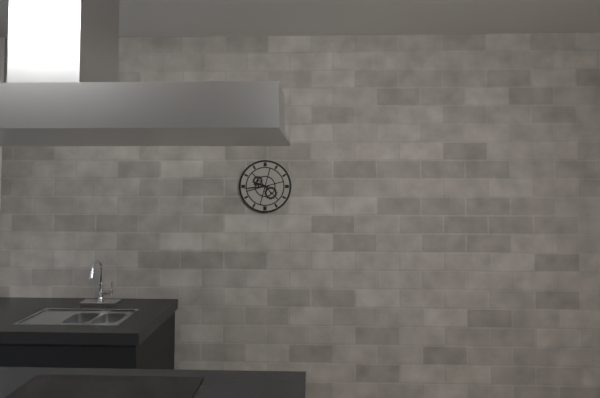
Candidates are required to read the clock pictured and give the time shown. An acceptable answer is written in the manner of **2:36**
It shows **9:44**
